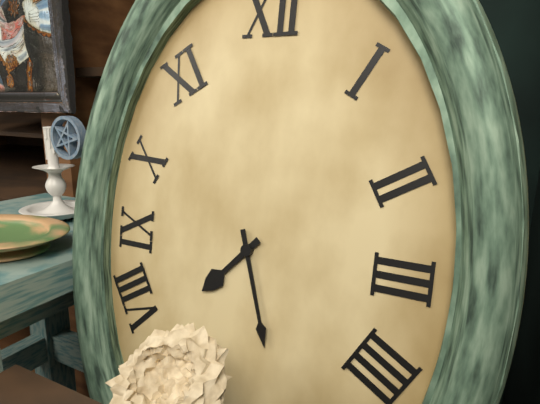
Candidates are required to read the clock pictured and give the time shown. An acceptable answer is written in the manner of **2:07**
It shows **7:27**
